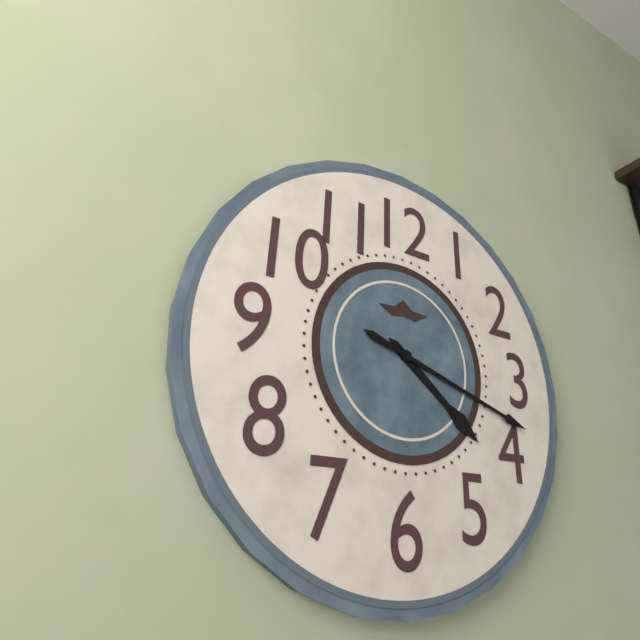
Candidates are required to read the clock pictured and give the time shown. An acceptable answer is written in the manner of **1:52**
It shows **4:18**
